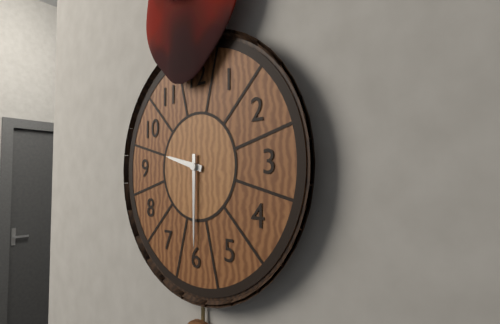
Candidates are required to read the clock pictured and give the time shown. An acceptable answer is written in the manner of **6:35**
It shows **9:30**
